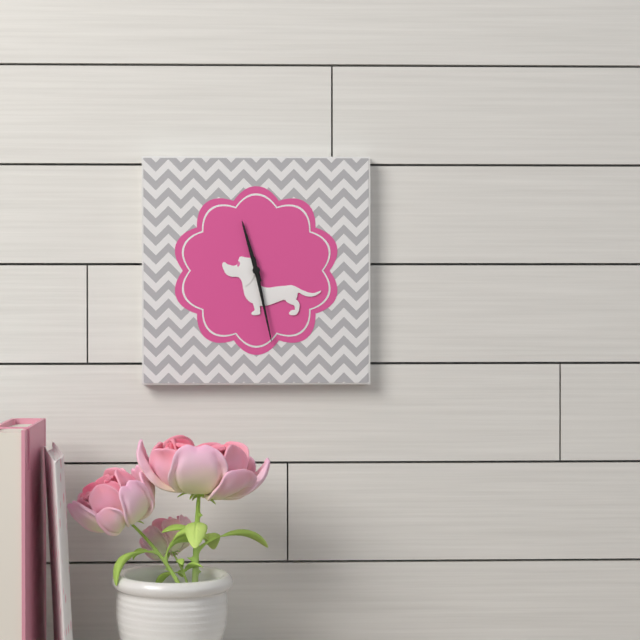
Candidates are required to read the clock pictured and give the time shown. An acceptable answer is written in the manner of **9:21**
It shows **11:28**
